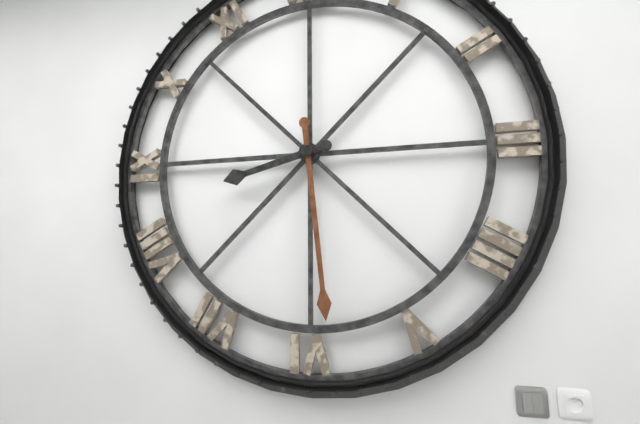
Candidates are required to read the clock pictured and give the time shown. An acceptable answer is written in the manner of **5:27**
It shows **8:29**
